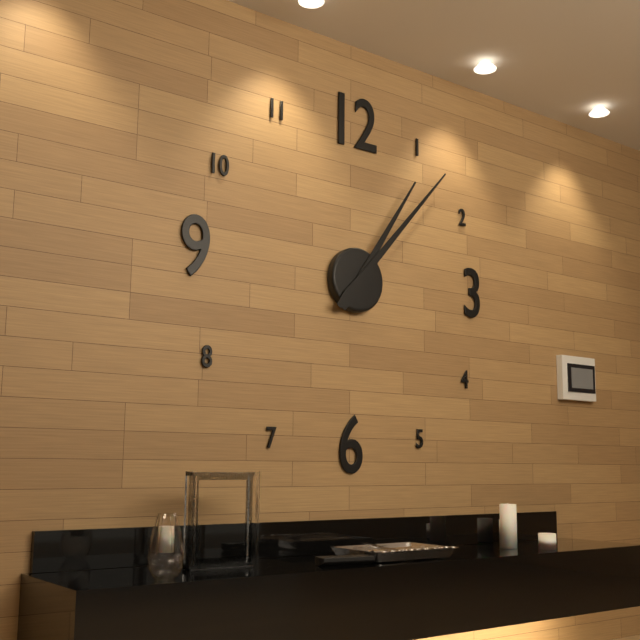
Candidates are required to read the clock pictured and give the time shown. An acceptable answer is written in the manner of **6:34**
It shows **1:07**
